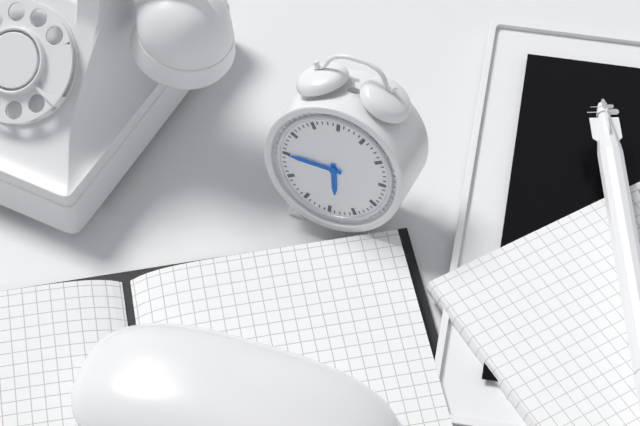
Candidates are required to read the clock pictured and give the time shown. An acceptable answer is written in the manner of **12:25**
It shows **5:45**
